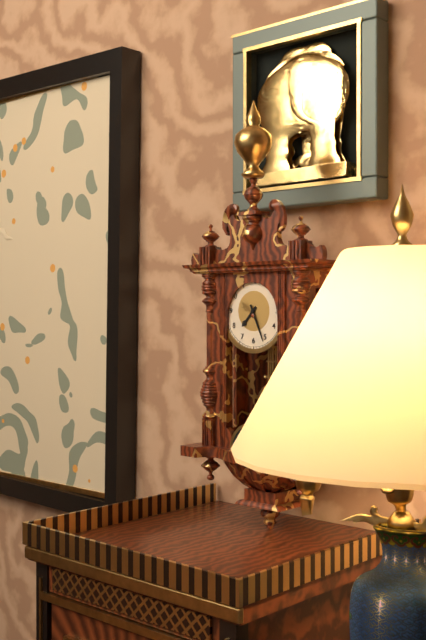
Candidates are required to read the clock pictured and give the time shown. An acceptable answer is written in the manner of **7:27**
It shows **7:26**
